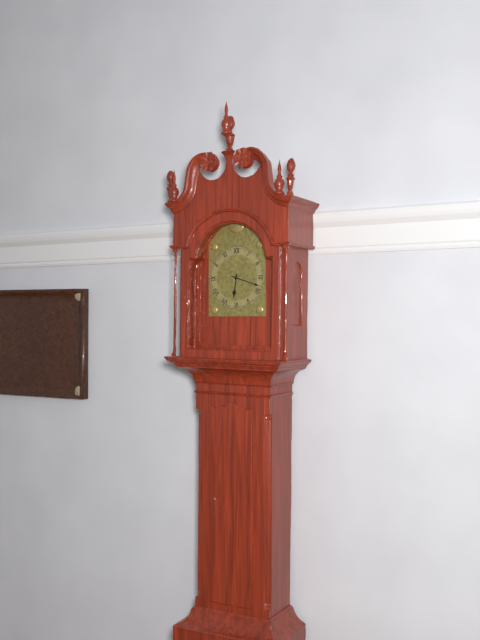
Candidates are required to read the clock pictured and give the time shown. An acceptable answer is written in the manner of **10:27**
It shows **6:18**
